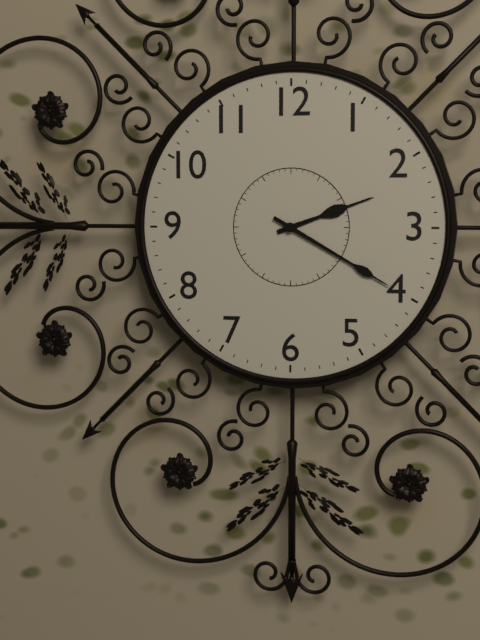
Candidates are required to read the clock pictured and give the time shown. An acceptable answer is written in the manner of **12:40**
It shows **2:20**
